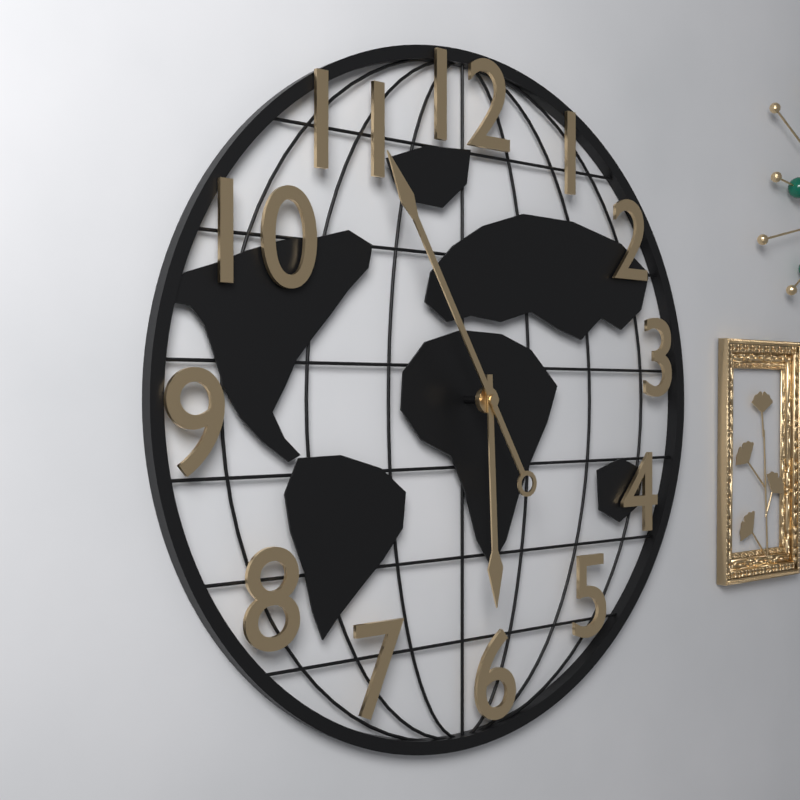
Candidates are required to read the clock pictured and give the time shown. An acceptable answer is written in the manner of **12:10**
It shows **5:55**
